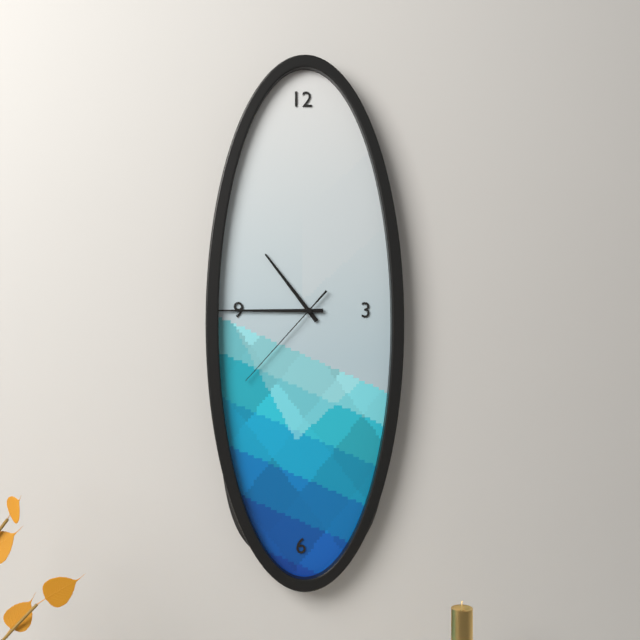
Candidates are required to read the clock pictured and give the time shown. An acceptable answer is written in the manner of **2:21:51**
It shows **10:45:37**
